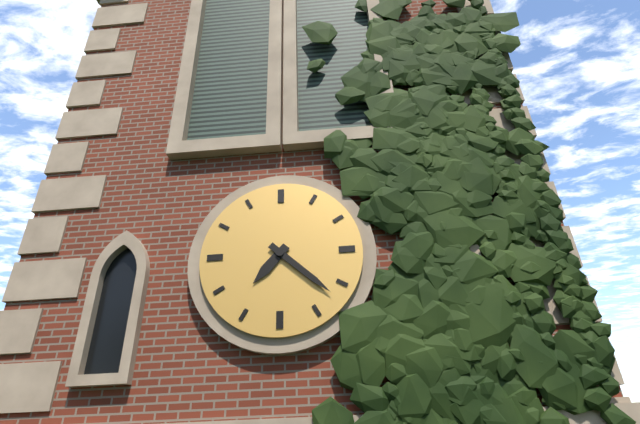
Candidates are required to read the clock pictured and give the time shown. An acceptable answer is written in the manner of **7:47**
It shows **7:22**
